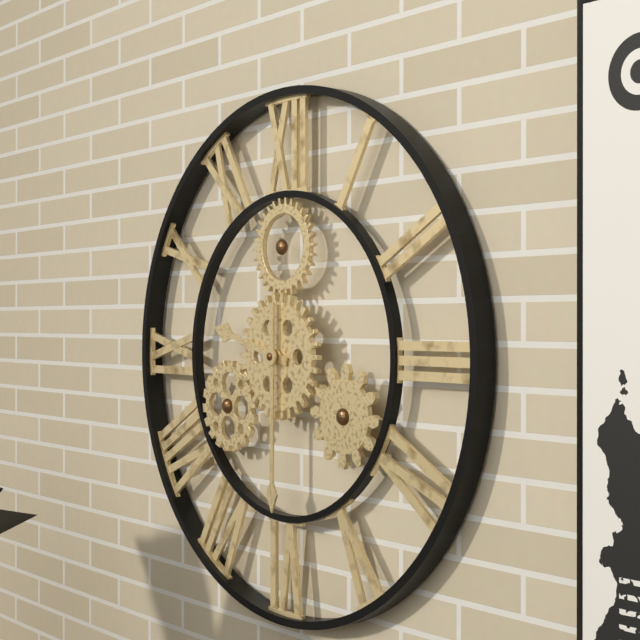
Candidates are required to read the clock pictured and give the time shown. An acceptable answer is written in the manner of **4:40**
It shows **9:30**
